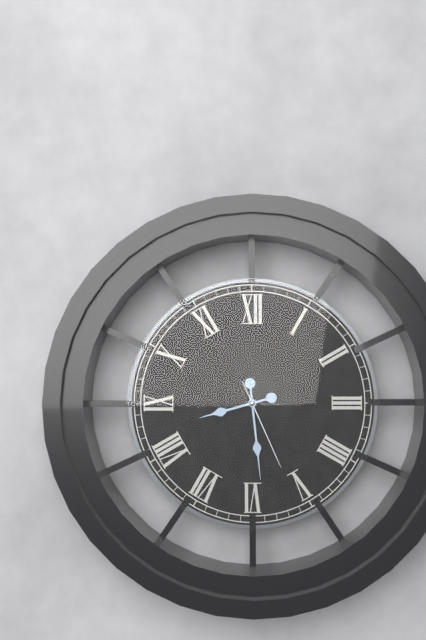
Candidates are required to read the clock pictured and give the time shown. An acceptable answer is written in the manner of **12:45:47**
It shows **8:29:26**
